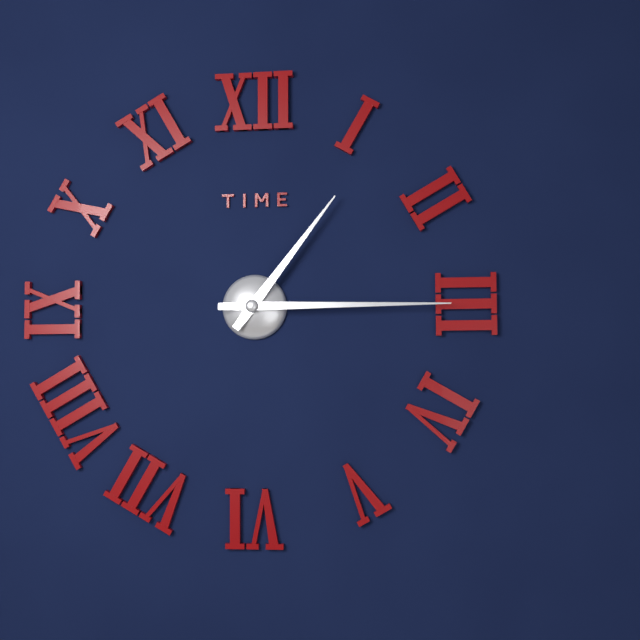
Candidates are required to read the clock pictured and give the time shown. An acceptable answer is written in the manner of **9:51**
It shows **1:15**
